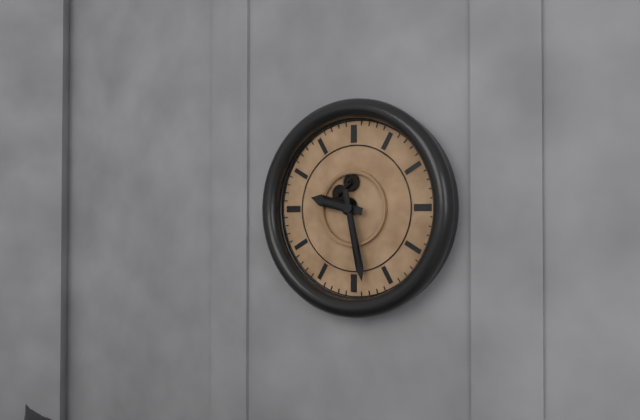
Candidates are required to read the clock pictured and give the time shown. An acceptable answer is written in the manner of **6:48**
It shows **9:28**
